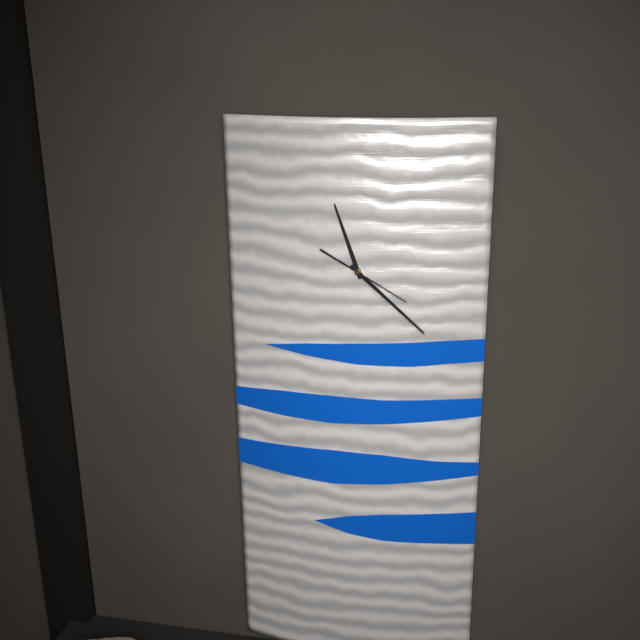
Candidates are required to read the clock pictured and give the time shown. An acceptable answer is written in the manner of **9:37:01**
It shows **11:22:20**
